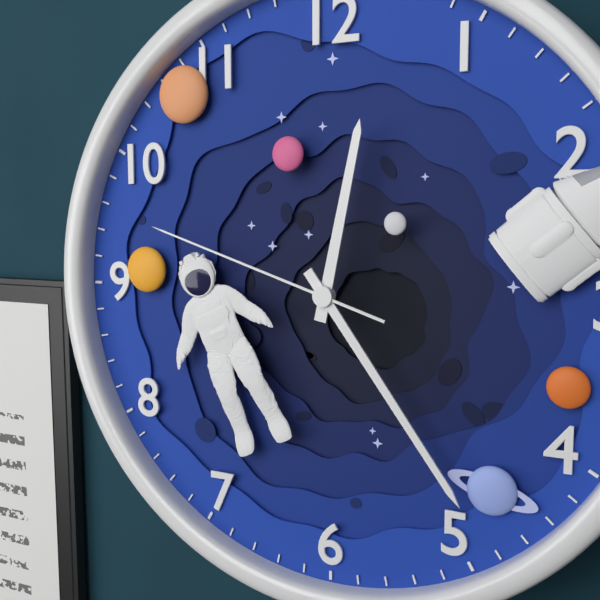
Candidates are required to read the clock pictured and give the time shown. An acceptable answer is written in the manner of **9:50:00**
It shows **12:24:48**
